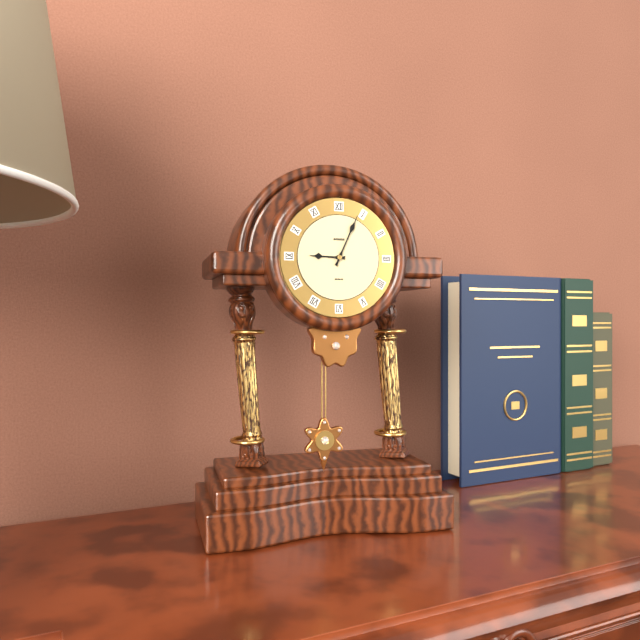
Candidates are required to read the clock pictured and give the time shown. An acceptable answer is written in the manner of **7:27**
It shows **9:04**
